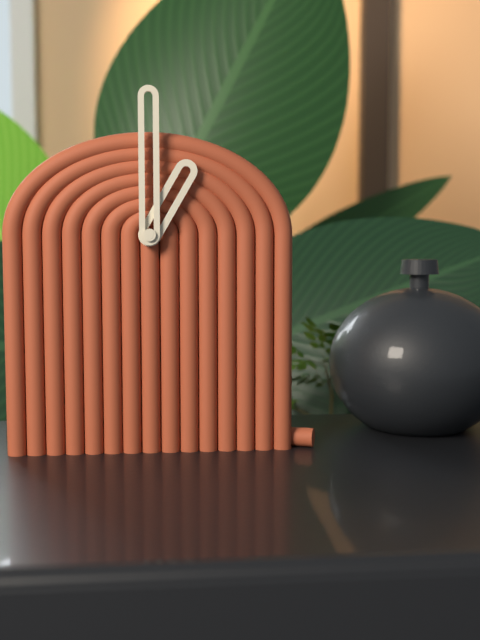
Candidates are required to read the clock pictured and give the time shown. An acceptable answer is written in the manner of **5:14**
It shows **1:00**
